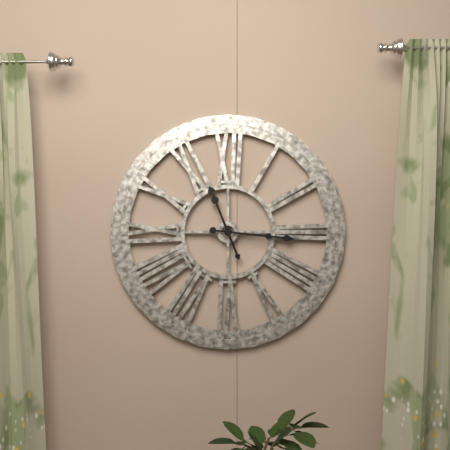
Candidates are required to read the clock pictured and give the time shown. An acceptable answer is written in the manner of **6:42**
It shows **11:16**
